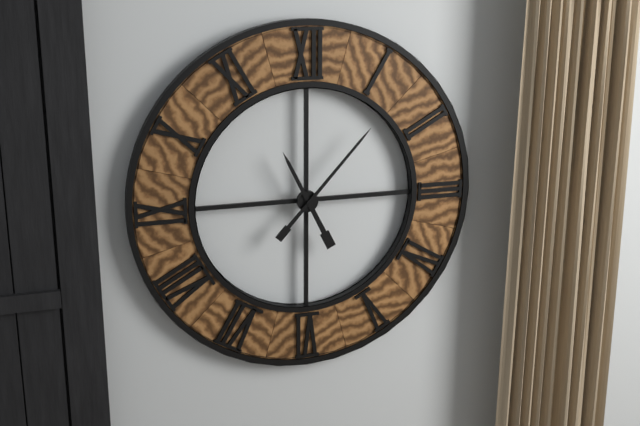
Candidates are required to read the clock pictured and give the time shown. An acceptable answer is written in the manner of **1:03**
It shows **11:07**
